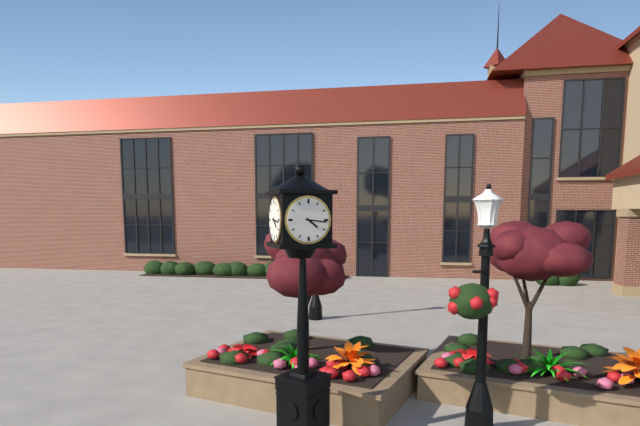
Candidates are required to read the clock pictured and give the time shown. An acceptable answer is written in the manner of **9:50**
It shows **4:16**
